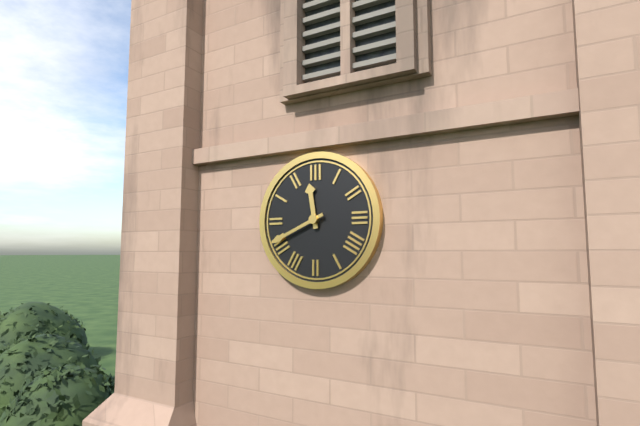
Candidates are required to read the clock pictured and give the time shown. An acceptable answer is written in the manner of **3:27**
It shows **11:41**
